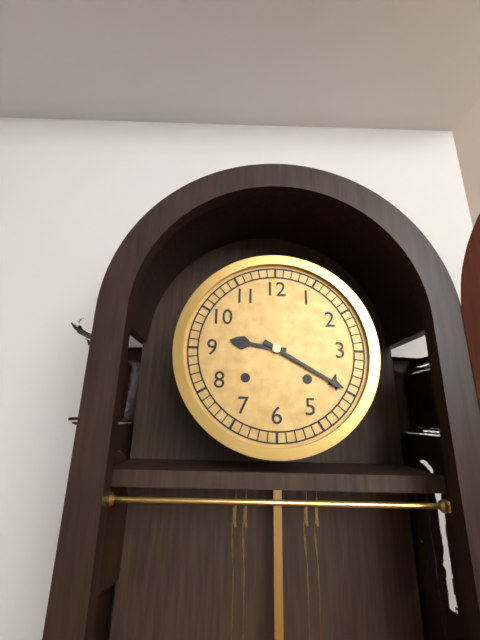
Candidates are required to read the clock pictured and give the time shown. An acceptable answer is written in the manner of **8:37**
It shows **9:20**
